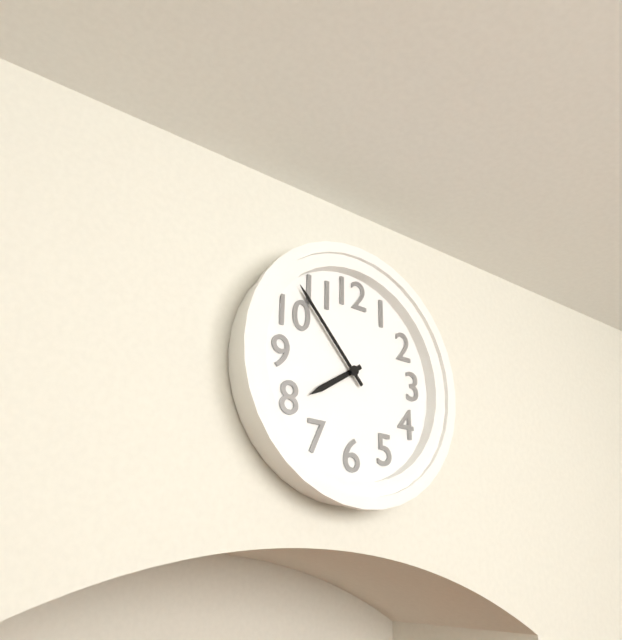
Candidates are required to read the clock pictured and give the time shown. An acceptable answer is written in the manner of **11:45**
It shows **7:53**
